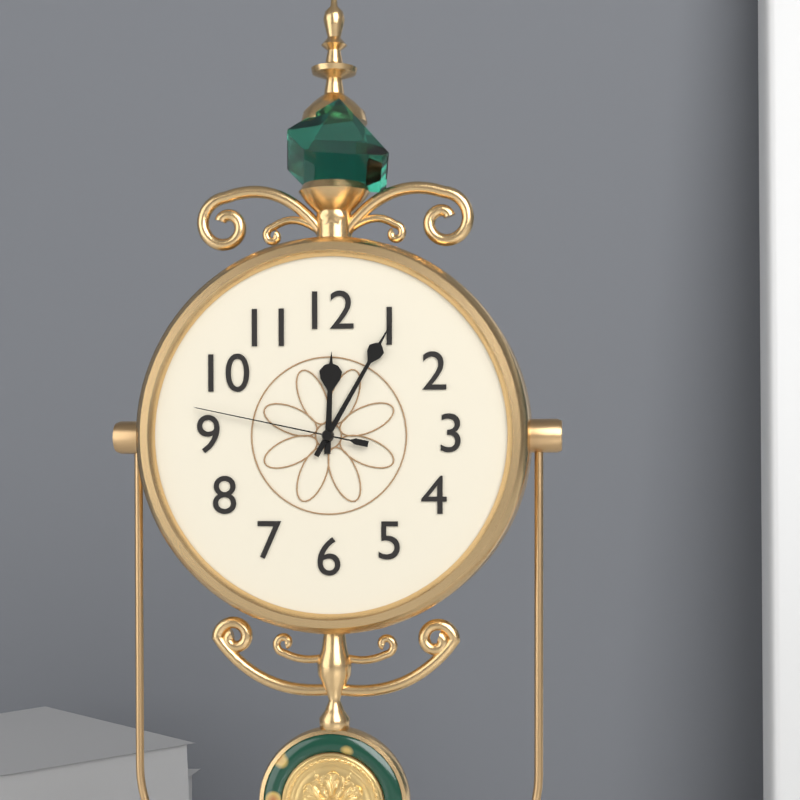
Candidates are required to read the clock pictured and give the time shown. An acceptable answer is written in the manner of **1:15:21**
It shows **12:05:47**
